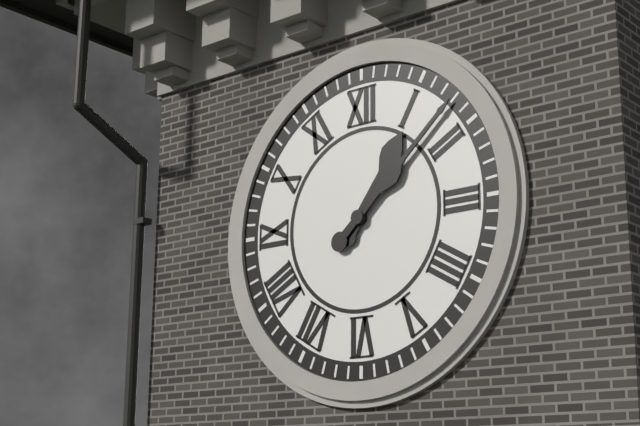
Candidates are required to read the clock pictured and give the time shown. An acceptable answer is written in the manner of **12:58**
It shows **1:08**
